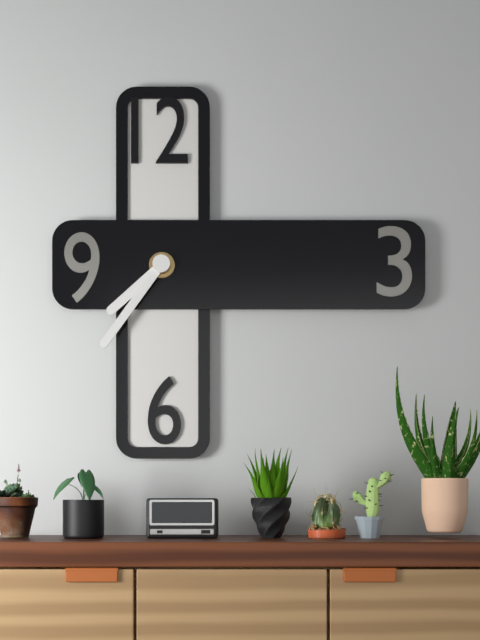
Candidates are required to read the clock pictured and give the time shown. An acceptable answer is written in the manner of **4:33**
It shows **7:36**
